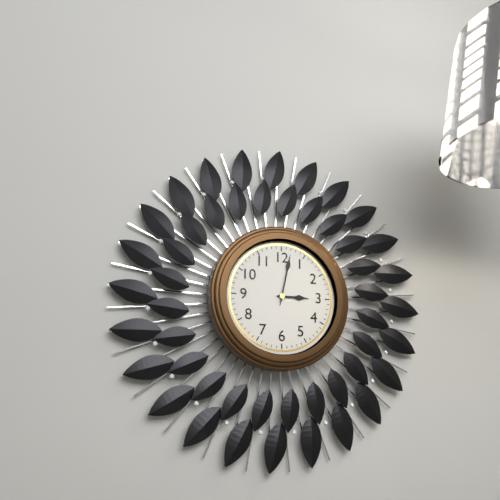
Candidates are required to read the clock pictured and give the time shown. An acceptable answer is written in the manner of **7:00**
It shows **3:02**
